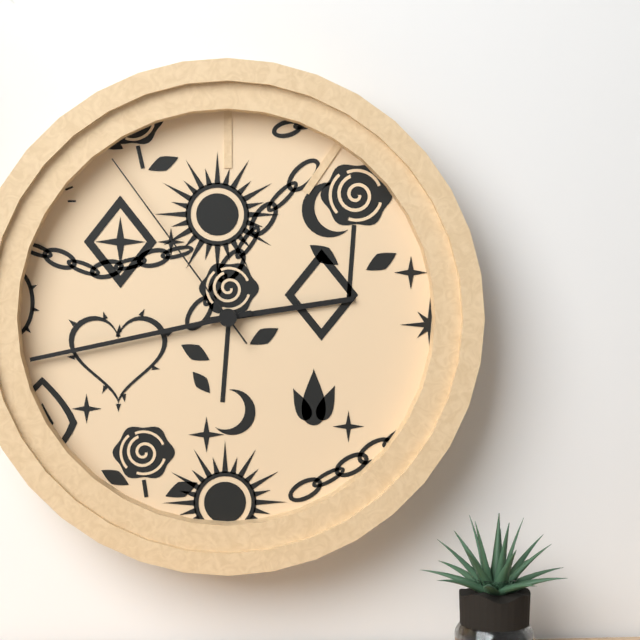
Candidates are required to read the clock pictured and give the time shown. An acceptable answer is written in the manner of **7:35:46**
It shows **2:43:54**
